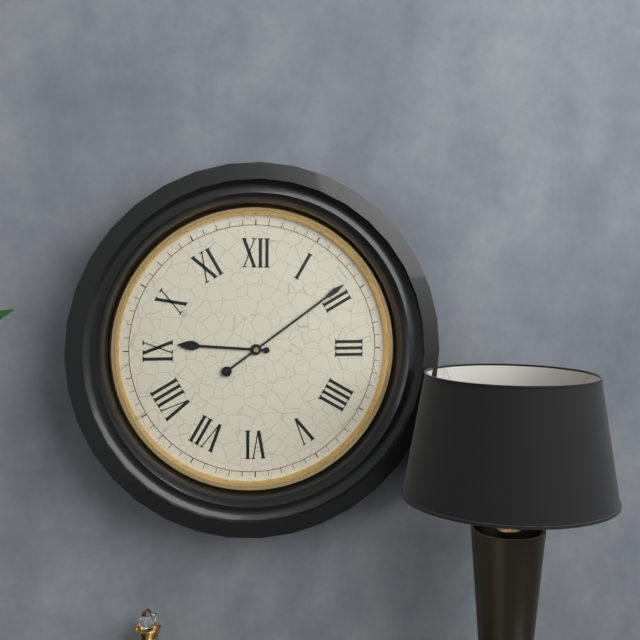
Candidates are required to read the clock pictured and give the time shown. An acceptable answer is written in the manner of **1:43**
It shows **9:09**
